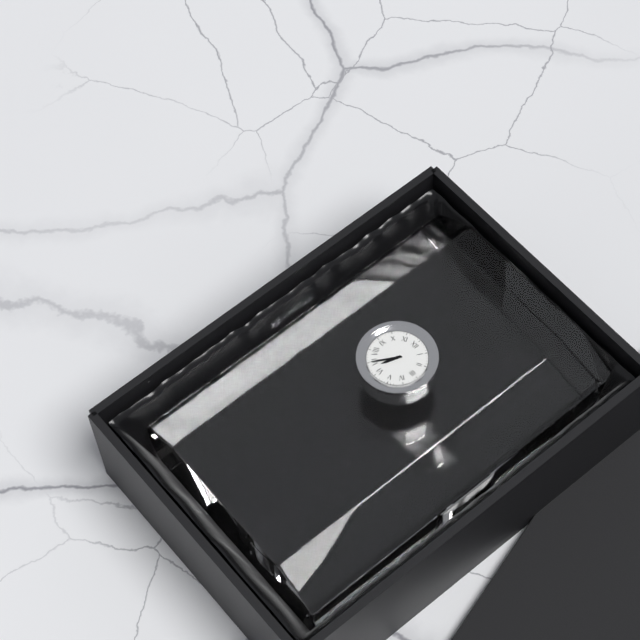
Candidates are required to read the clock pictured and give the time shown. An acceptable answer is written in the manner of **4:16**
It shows **6:35**
